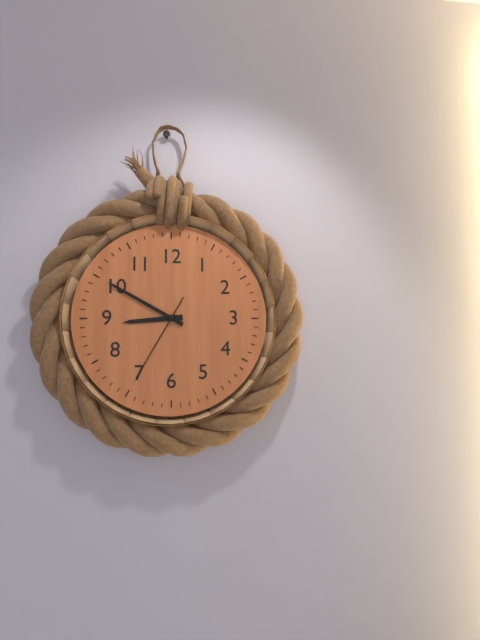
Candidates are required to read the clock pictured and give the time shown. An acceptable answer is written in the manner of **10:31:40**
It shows **8:50:35**
